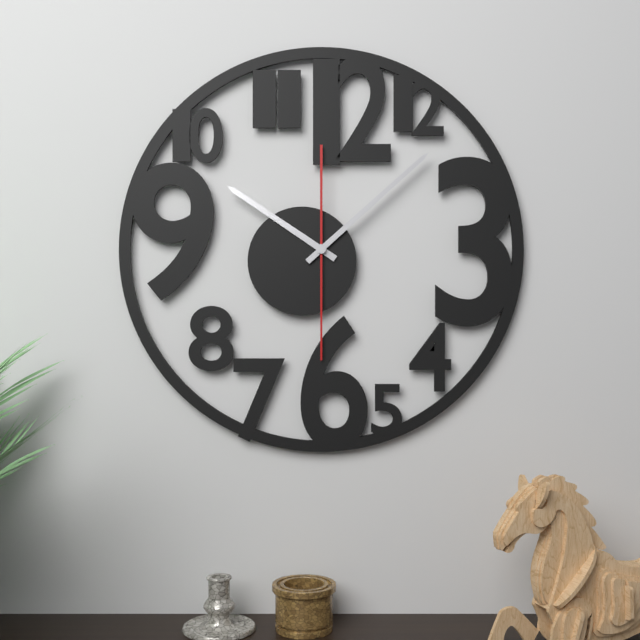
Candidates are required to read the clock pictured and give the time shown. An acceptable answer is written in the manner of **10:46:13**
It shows **10:08:30**
